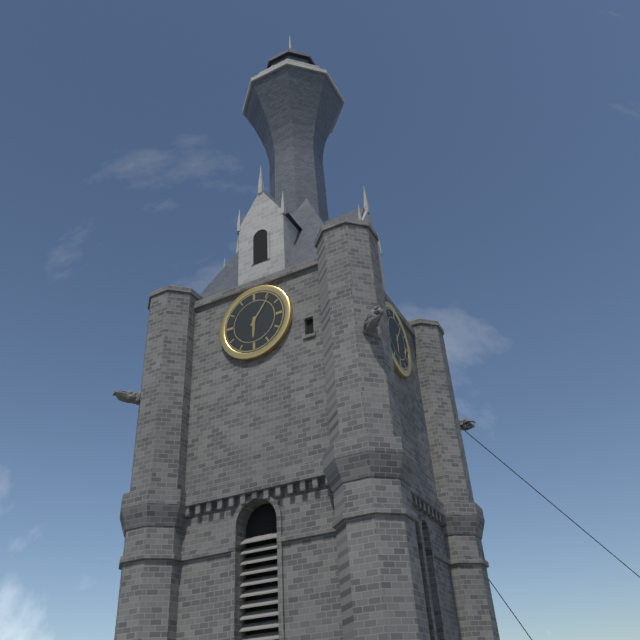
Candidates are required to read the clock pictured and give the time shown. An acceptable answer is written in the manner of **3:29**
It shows **6:06**
